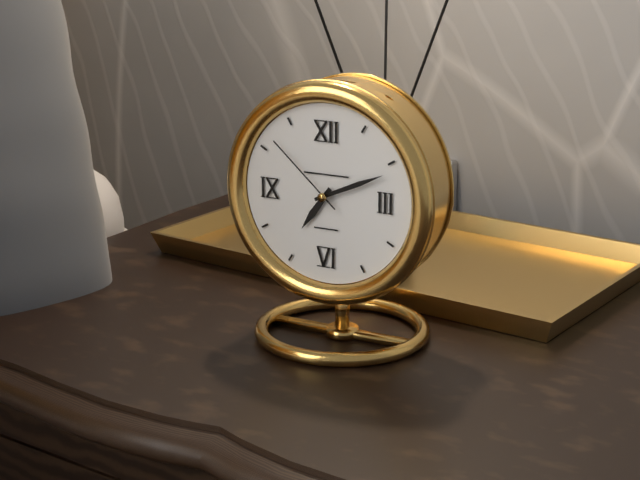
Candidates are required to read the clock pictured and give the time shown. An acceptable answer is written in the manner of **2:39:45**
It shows **7:11:52**
